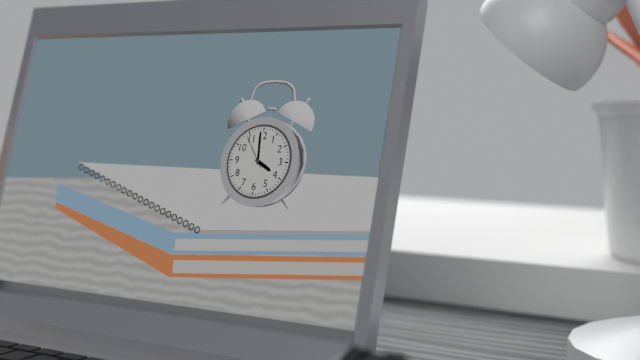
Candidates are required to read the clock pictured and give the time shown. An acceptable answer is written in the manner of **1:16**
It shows **3:59**
